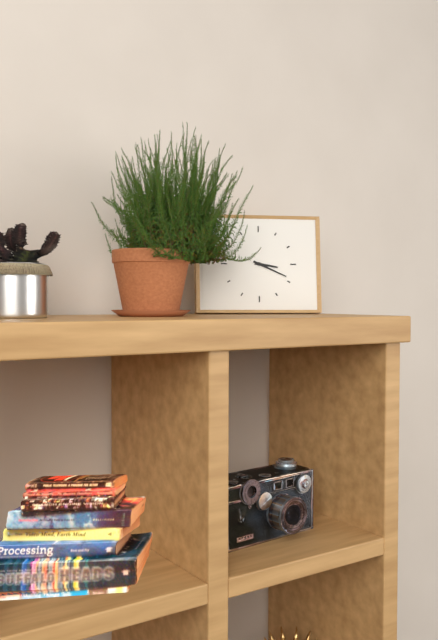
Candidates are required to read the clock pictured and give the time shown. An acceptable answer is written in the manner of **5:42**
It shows **3:19**
